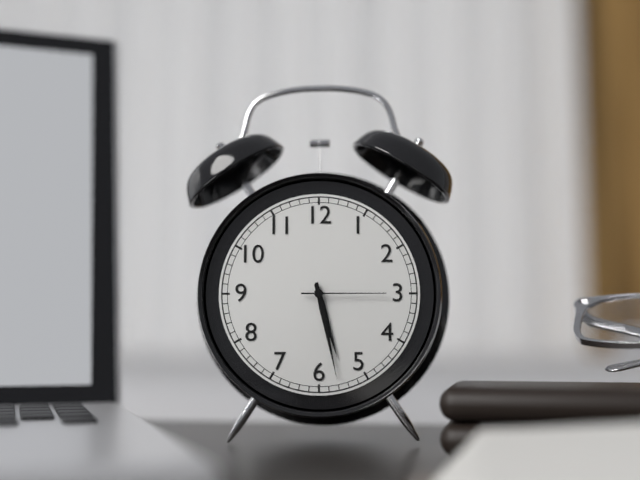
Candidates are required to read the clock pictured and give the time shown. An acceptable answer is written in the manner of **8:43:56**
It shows **5:28:15**
